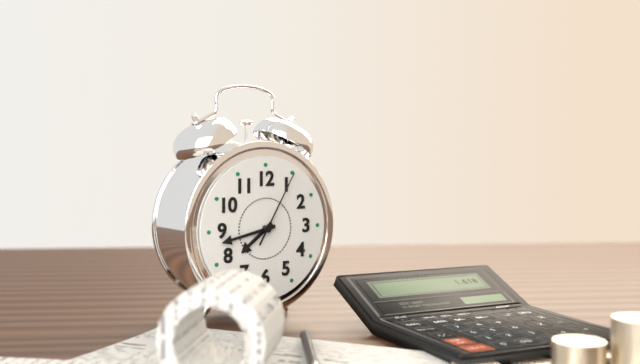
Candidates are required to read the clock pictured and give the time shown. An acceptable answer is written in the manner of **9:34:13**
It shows **7:43:05**
